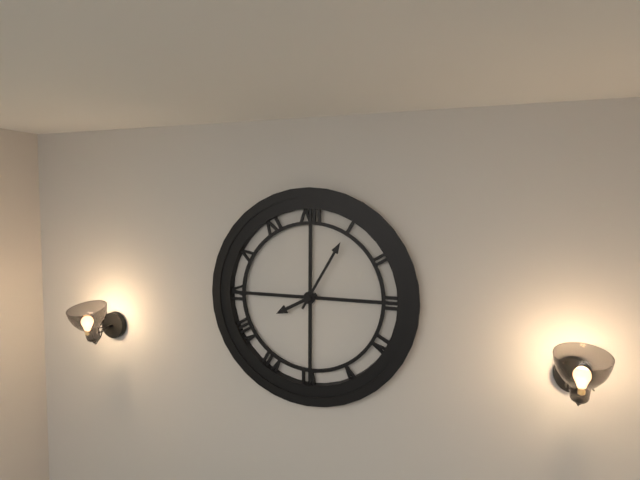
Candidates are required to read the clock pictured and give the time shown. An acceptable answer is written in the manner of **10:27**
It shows **8:05**
